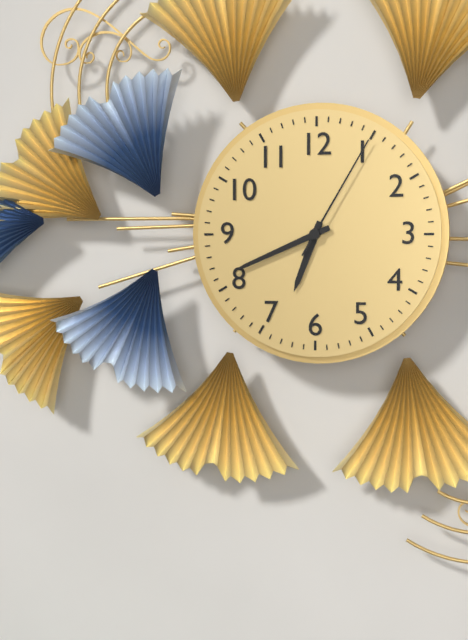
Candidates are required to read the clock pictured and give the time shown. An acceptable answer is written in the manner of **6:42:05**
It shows **6:41:05**
